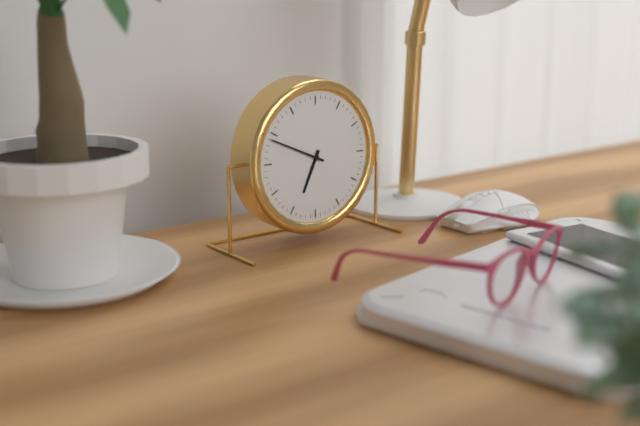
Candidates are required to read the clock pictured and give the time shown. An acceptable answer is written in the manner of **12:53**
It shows **6:49**
